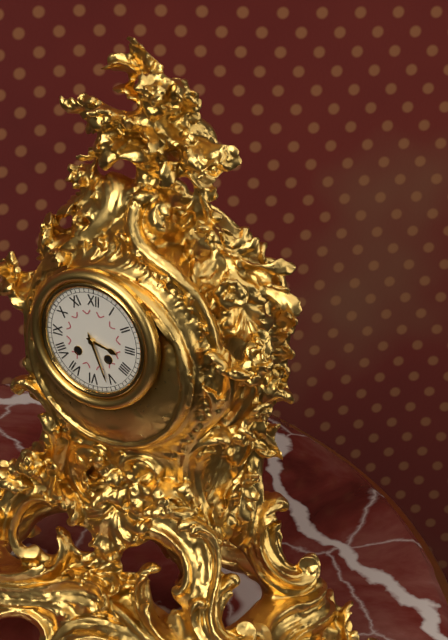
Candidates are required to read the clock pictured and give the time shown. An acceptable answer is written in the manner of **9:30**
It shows **3:26**
